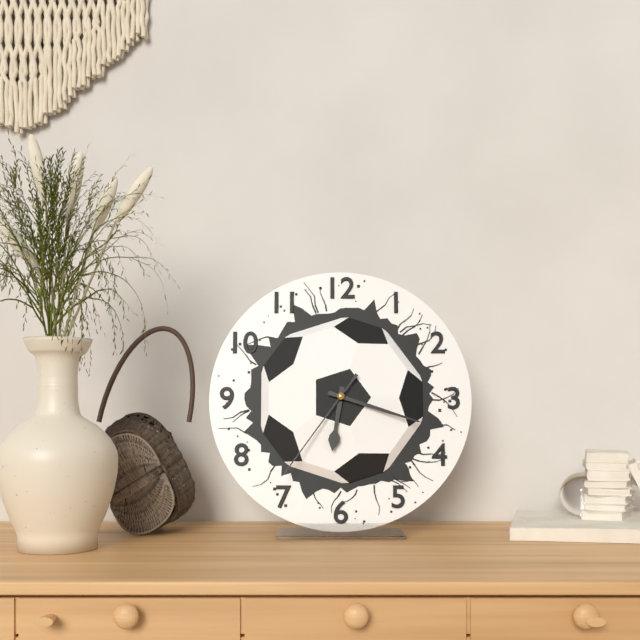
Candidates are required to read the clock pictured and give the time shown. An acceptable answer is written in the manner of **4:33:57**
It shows **6:18:36**
